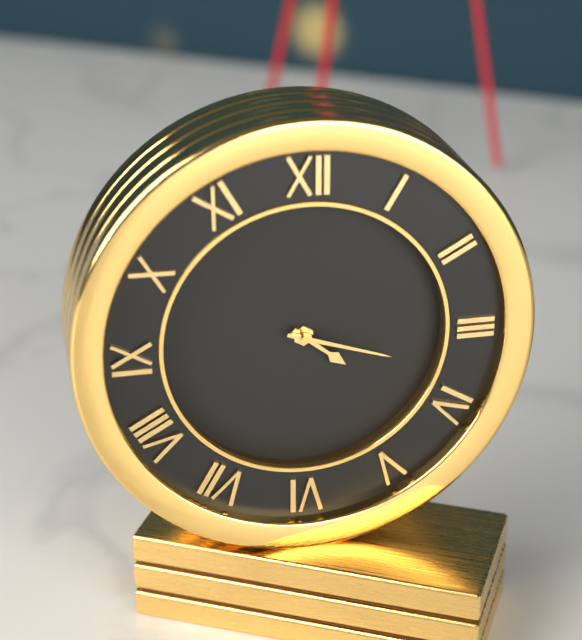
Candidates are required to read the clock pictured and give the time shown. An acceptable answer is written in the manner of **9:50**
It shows **4:18**
